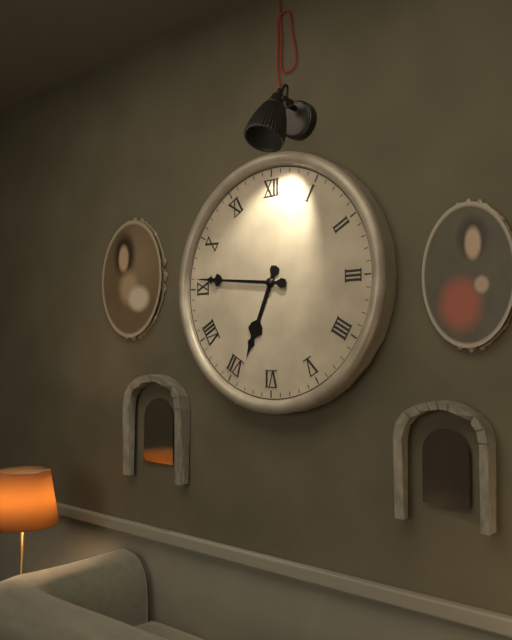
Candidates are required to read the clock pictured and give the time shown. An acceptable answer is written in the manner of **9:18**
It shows **6:46**
